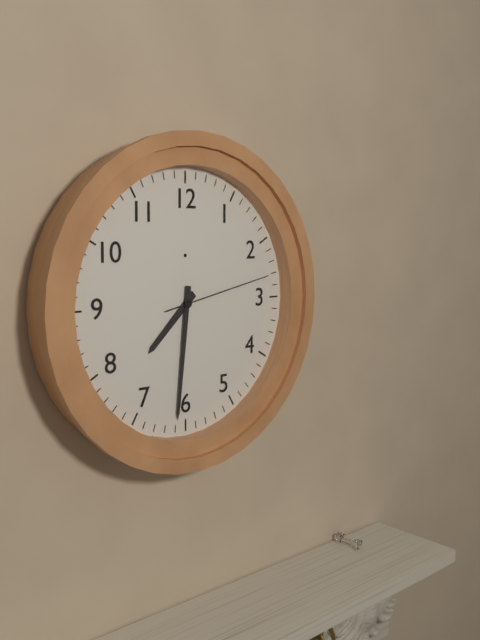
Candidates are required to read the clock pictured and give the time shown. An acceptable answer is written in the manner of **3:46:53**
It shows **7:31:13**
